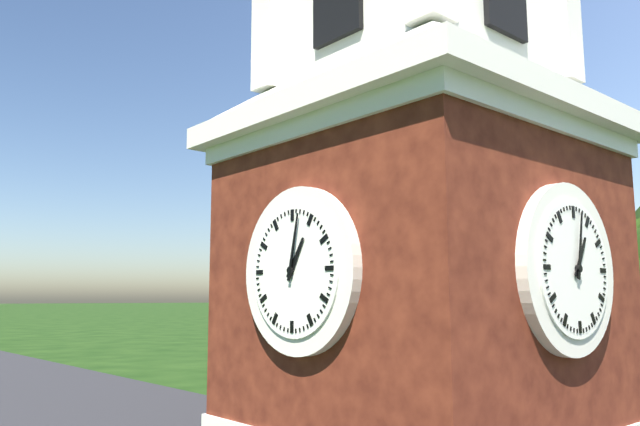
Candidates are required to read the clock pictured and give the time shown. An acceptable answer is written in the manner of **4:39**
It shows **1:02**
